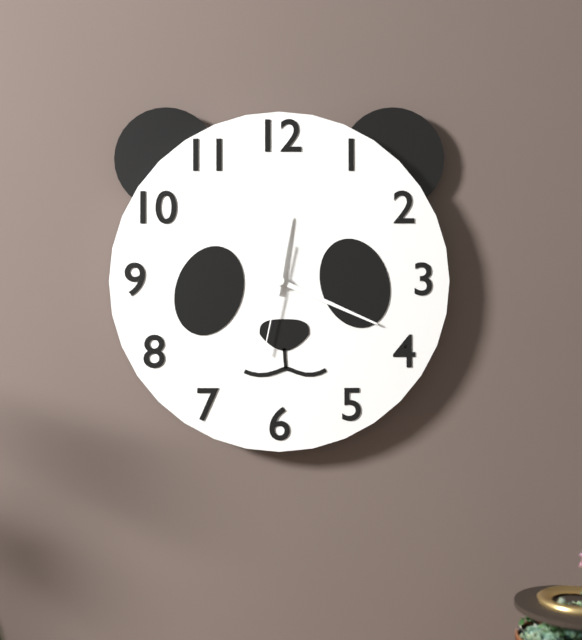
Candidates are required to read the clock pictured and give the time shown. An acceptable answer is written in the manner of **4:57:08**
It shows **12:19:32**
